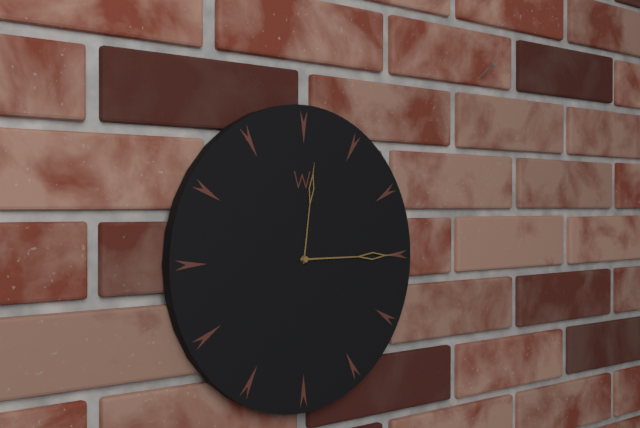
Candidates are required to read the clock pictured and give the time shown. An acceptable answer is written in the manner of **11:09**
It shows **12:15**
